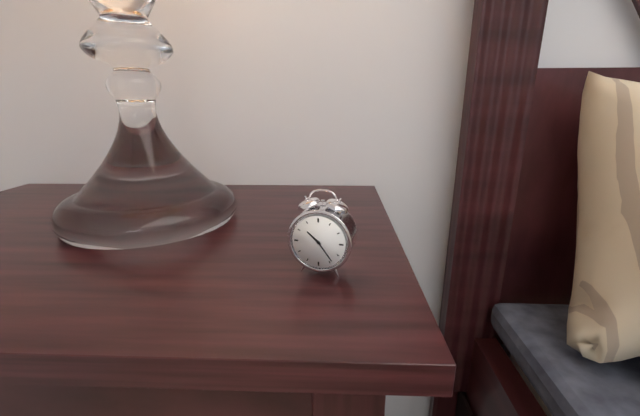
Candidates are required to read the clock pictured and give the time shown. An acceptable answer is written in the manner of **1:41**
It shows **10:24**
